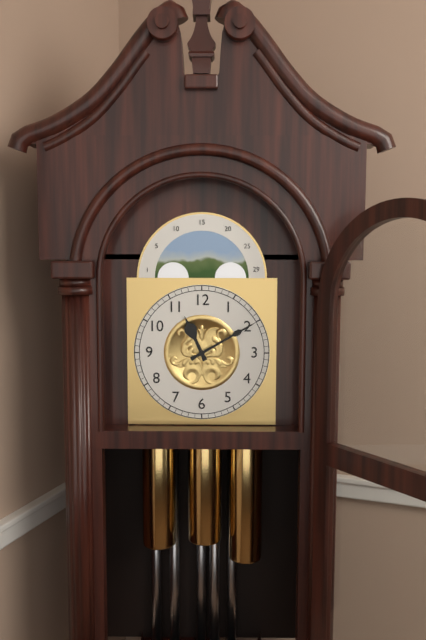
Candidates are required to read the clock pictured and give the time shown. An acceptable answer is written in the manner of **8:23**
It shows **11:10**
